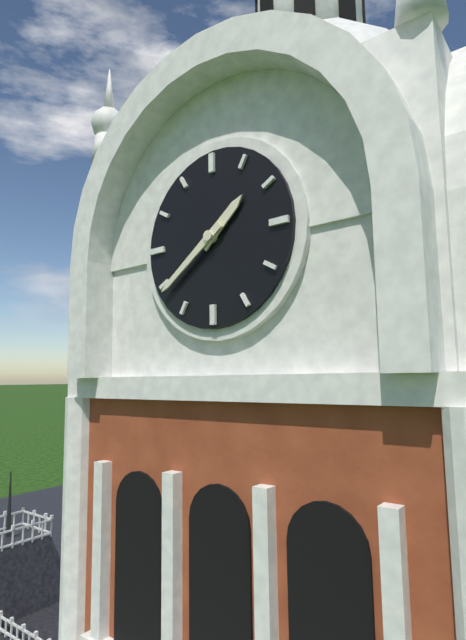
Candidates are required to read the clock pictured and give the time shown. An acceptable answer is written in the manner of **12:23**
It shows **1:39**
